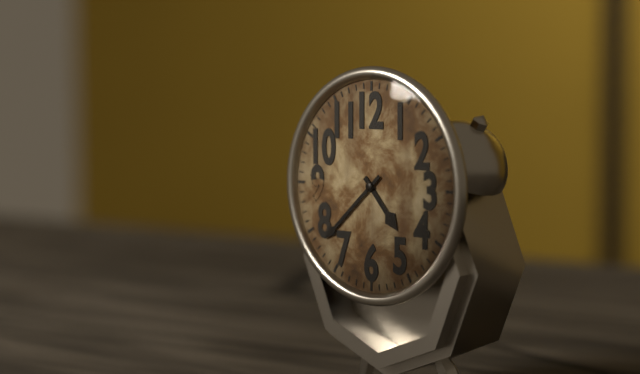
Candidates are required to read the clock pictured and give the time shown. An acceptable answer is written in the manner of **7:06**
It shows **4:38**
